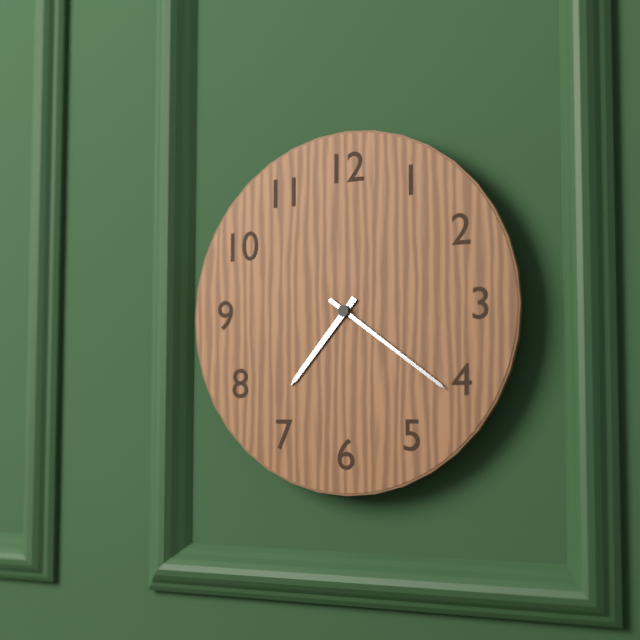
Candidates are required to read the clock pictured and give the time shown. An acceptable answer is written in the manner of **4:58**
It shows **7:21**
